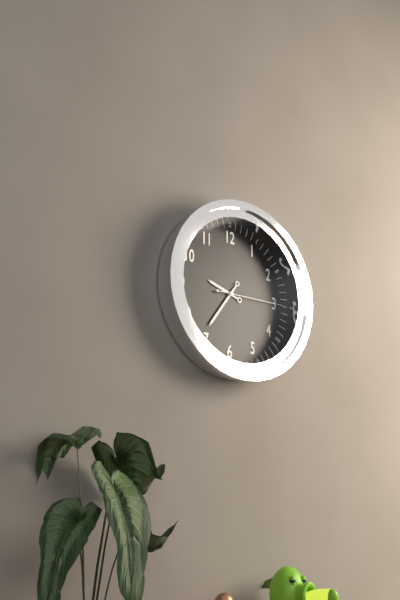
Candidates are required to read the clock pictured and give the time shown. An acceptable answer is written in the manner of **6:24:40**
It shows **9:36:15**
